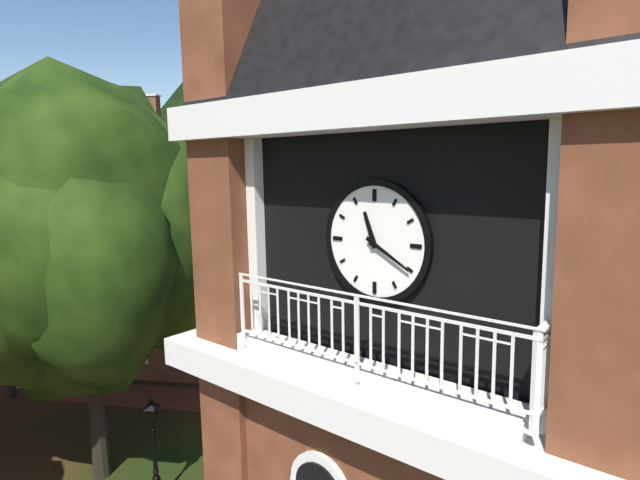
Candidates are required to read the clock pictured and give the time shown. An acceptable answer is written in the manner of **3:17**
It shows **11:20**
